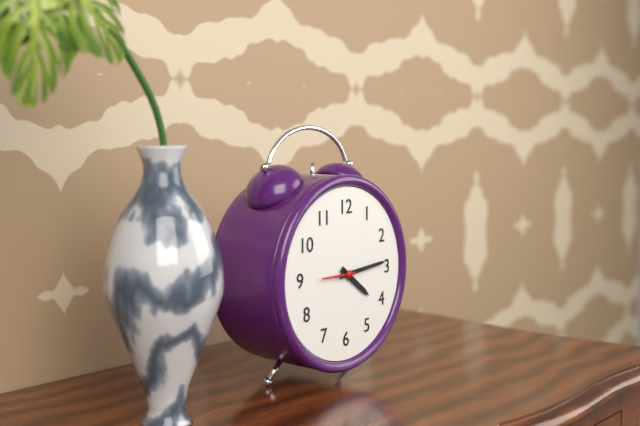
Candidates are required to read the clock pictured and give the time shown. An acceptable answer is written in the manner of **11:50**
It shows **4:14**
